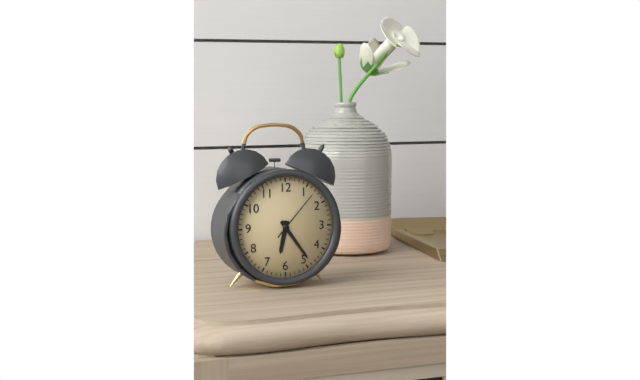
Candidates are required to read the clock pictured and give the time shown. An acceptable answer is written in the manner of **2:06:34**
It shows **6:24:07**
